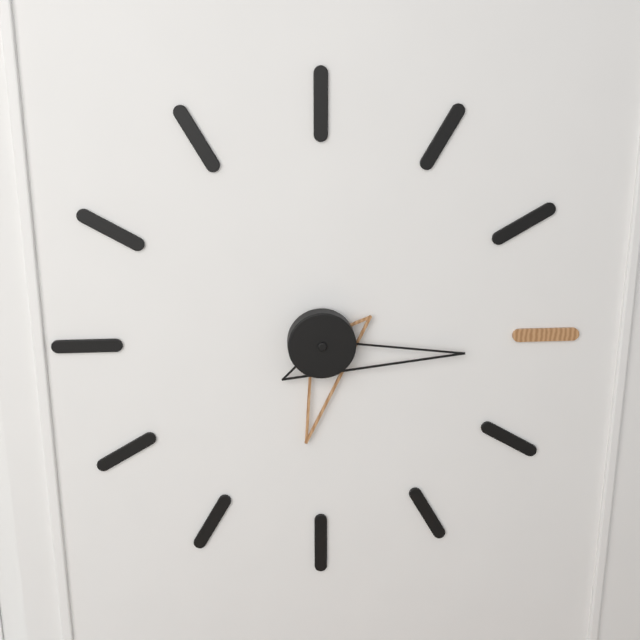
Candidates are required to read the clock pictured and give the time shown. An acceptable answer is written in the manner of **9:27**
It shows **6:16**
